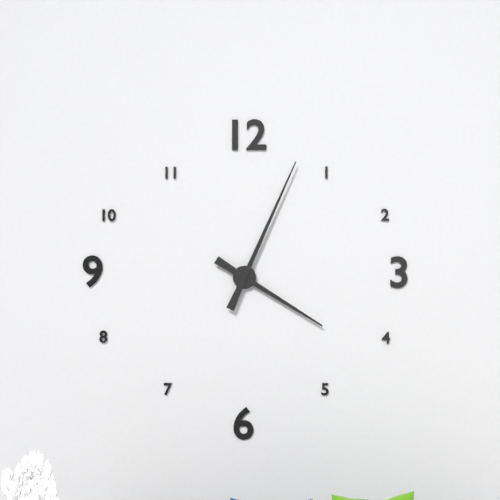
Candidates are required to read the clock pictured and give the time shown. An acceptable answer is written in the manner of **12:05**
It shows **4:04**
